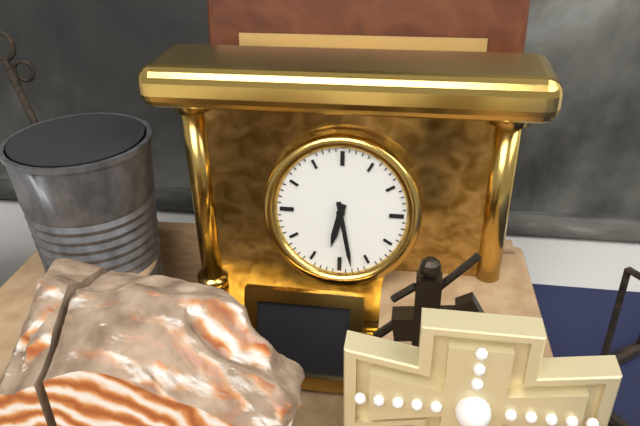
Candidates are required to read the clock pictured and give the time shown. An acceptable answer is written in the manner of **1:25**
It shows **6:28**
